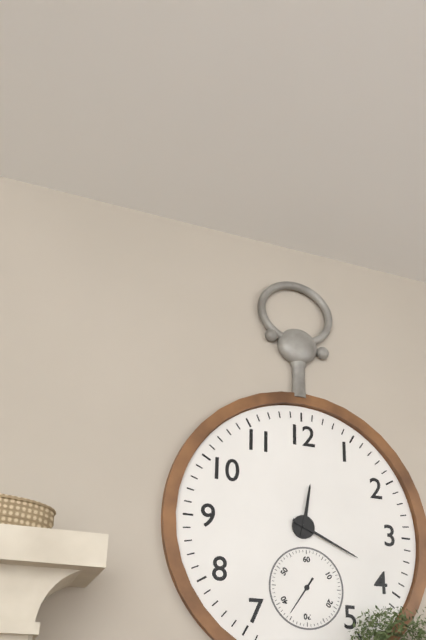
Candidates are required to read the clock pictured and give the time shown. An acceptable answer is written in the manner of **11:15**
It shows **12:19**
